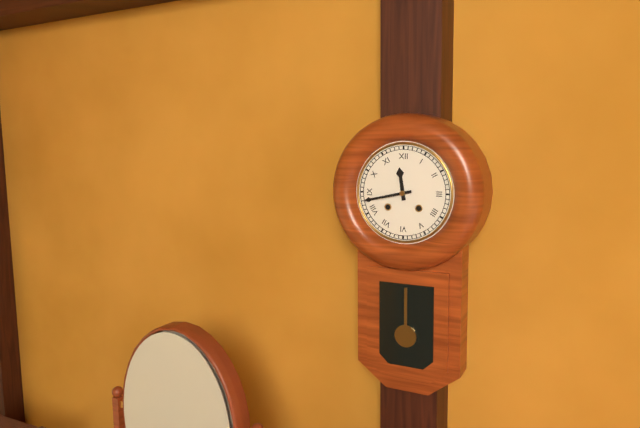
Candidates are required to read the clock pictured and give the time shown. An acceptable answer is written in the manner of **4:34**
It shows **11:43**
